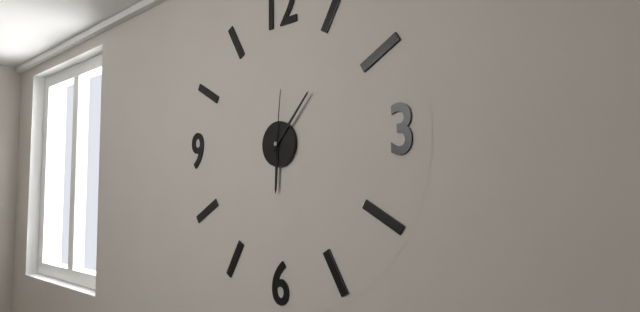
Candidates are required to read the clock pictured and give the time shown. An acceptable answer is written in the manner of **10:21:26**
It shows **6:07:01**
